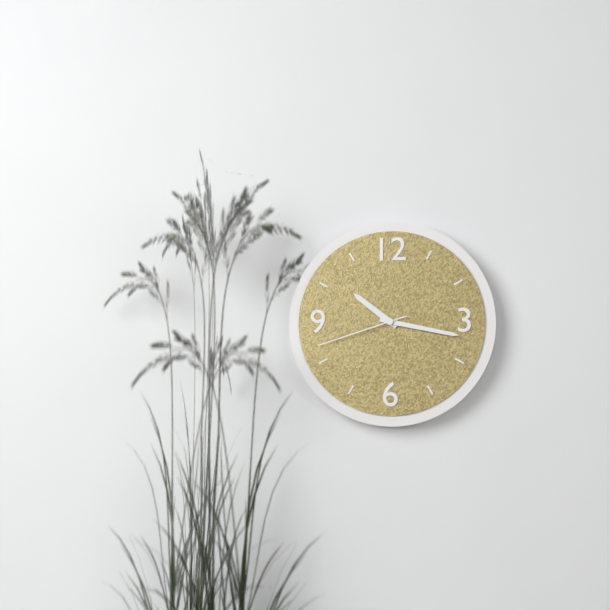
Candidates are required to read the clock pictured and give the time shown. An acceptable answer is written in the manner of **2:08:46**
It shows **10:17:42**
